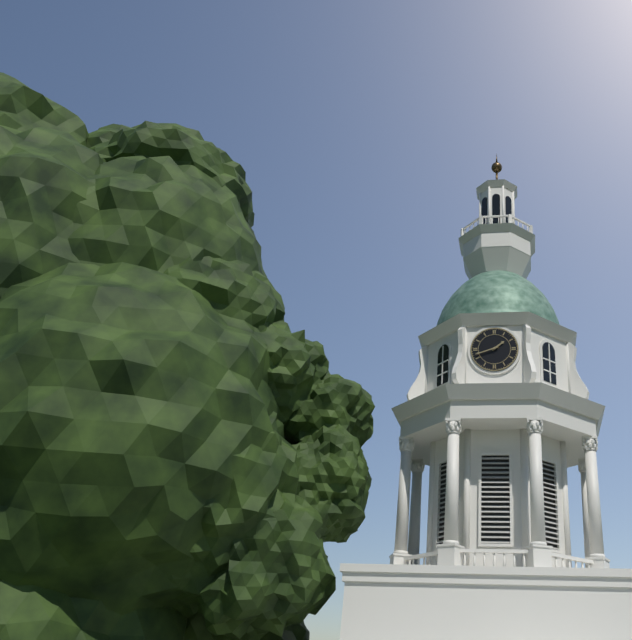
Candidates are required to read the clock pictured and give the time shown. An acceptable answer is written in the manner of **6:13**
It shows **1:42**
